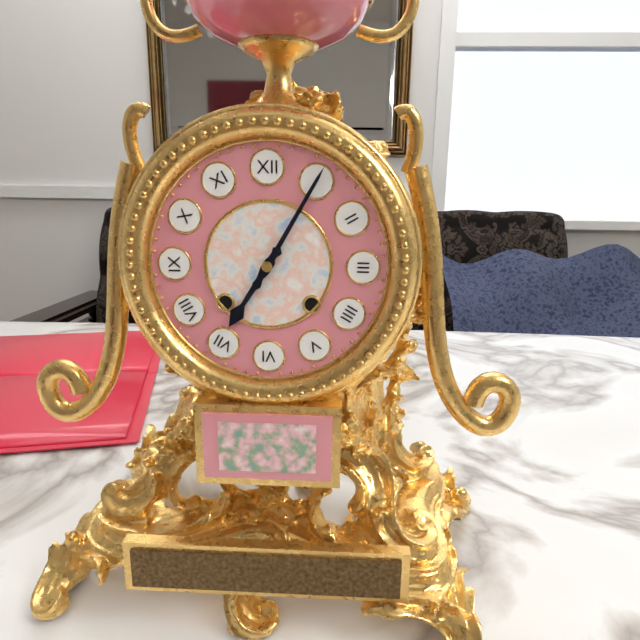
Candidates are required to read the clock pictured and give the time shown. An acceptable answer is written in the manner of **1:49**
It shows **7:05**
